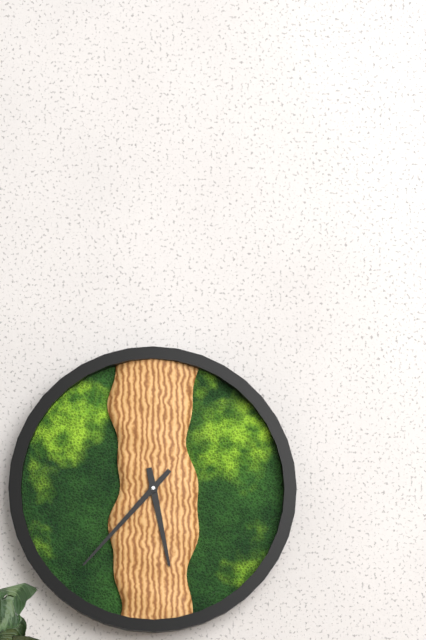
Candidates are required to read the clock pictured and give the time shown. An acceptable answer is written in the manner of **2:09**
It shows **5:37**
